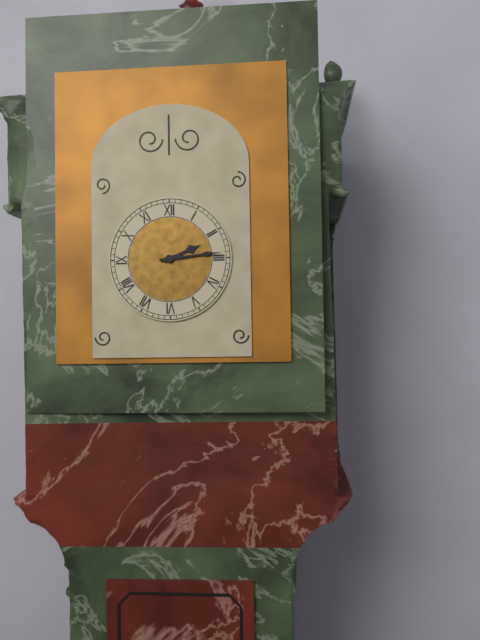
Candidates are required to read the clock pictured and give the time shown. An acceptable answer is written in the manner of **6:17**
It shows **2:14**
